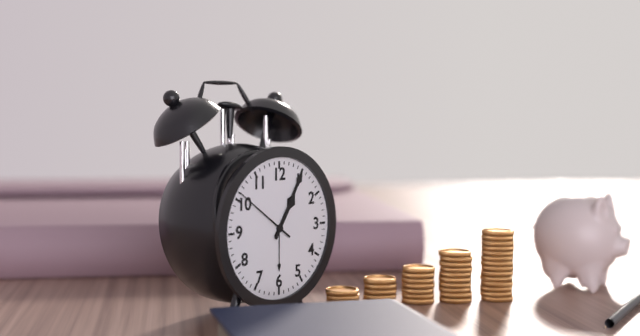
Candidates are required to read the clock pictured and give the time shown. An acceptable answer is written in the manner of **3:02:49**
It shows **1:05:51**
